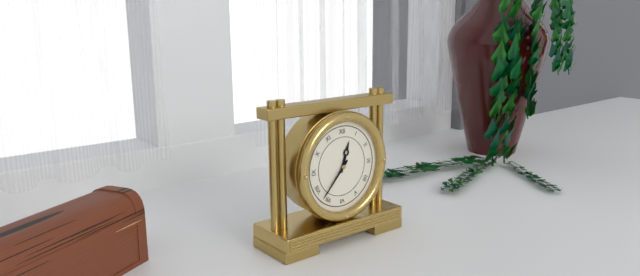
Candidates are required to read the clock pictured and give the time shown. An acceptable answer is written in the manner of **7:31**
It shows **12:37**
